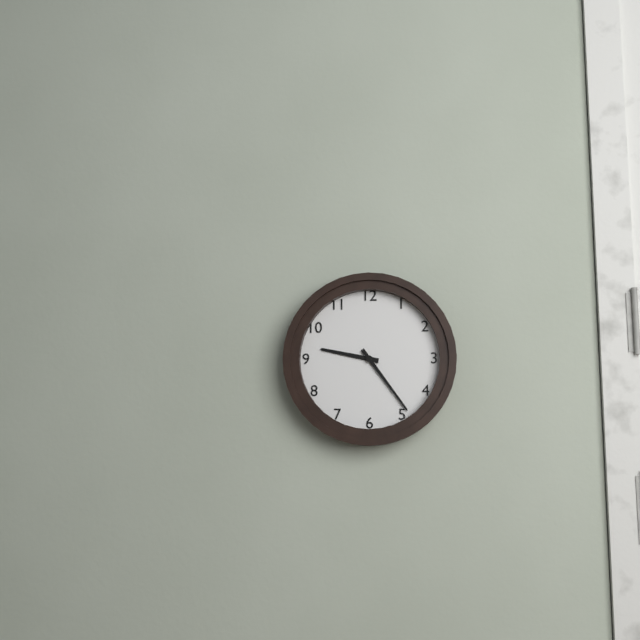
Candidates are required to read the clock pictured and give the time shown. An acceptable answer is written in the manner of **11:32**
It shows **9:24**
